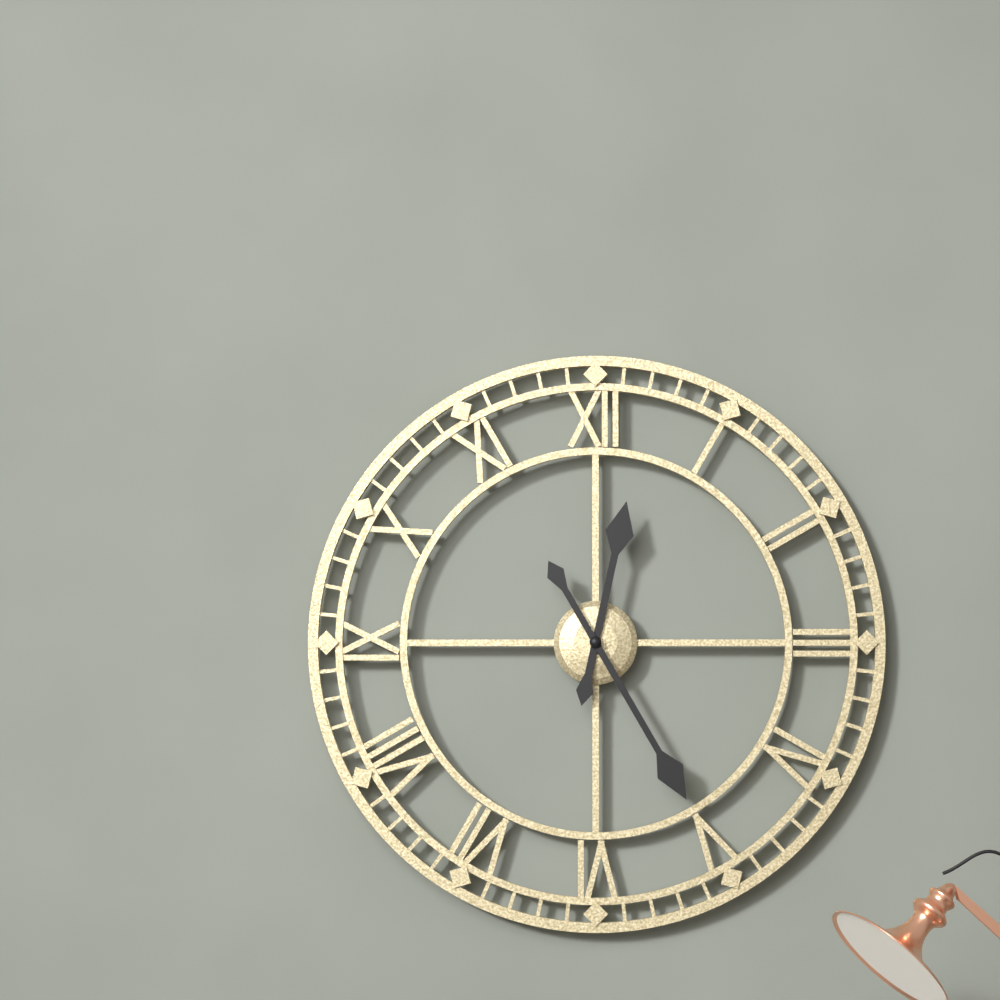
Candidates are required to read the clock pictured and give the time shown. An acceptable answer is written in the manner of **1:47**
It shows **12:25**
